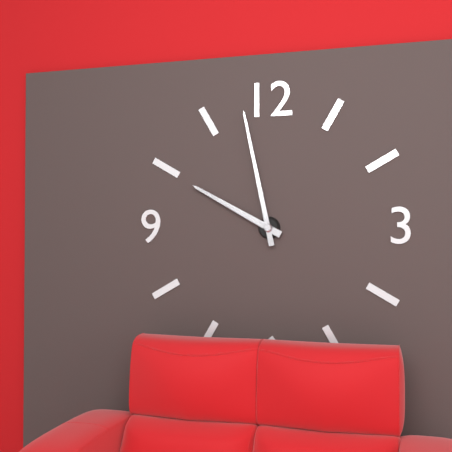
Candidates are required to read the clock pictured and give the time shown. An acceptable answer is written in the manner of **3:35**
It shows **9:58**
